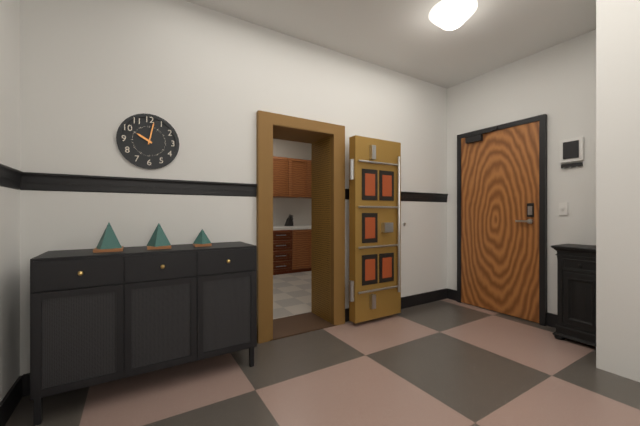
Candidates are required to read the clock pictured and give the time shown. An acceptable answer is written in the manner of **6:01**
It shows **10:02**
